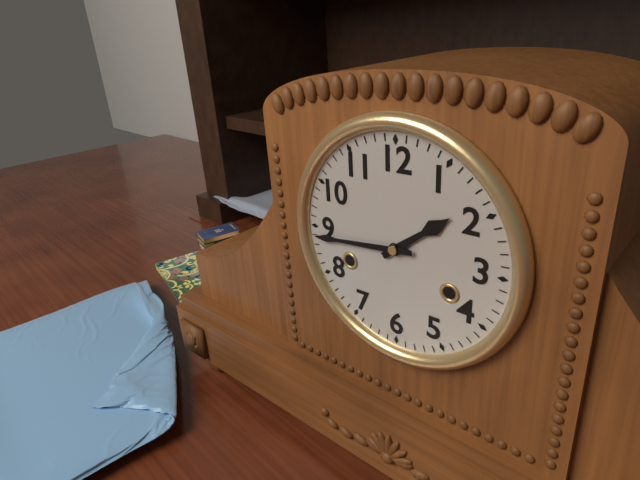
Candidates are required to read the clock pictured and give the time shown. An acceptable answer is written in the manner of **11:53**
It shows **1:44**
